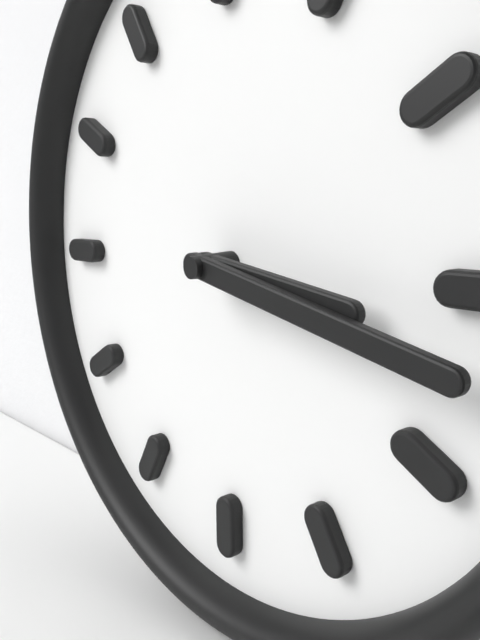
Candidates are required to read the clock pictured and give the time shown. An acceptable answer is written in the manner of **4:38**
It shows **3:17**
